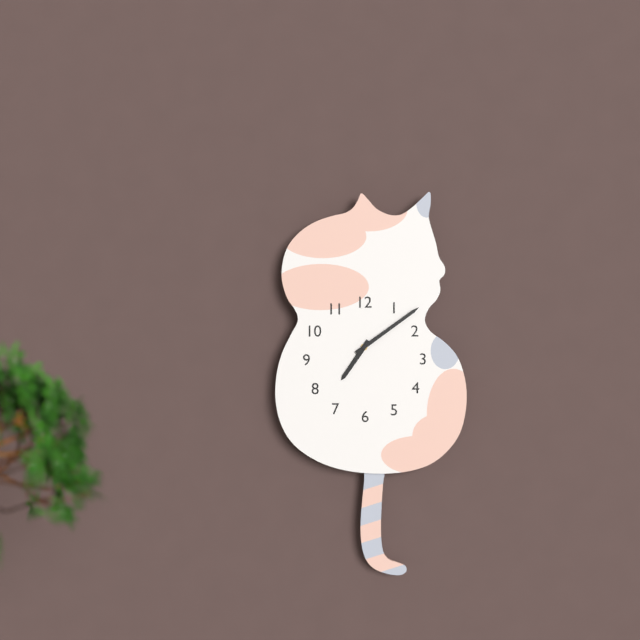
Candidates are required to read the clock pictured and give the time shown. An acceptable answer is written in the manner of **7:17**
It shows **7:09**
